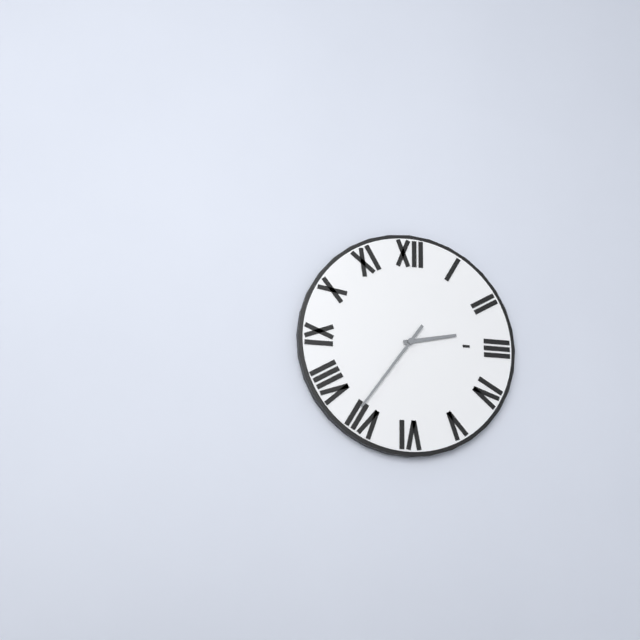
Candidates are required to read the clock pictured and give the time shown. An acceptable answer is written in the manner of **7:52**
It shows **2:36**
